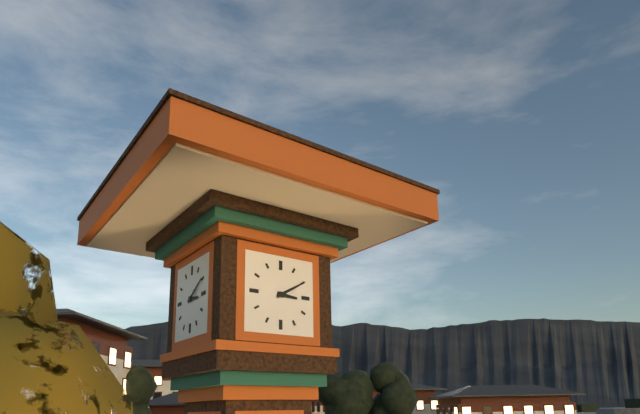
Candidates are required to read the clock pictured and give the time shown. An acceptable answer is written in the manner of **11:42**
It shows **3:10**
